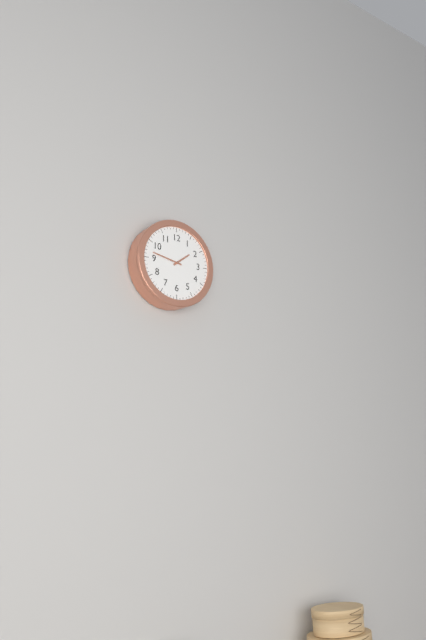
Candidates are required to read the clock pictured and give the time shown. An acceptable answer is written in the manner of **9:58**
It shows **1:47**
